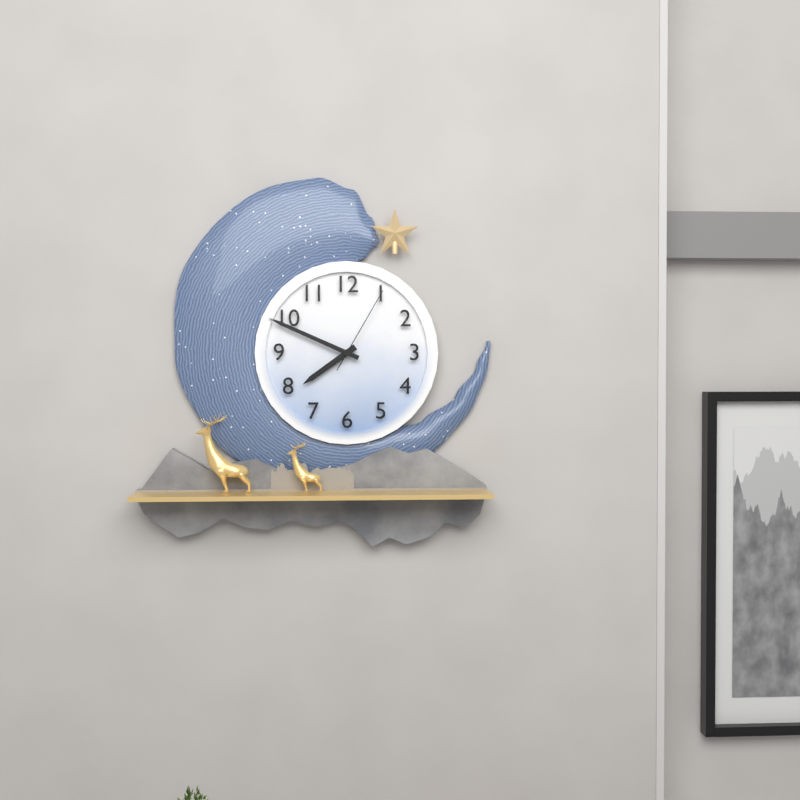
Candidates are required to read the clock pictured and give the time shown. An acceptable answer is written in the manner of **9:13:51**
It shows **7:49:05**
